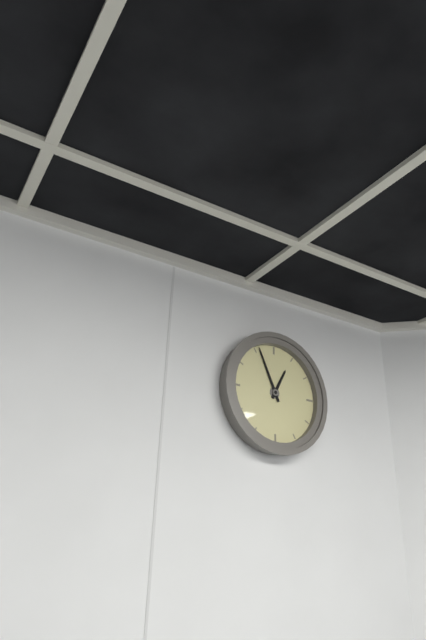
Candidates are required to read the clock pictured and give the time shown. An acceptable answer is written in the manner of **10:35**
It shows **12:56**
